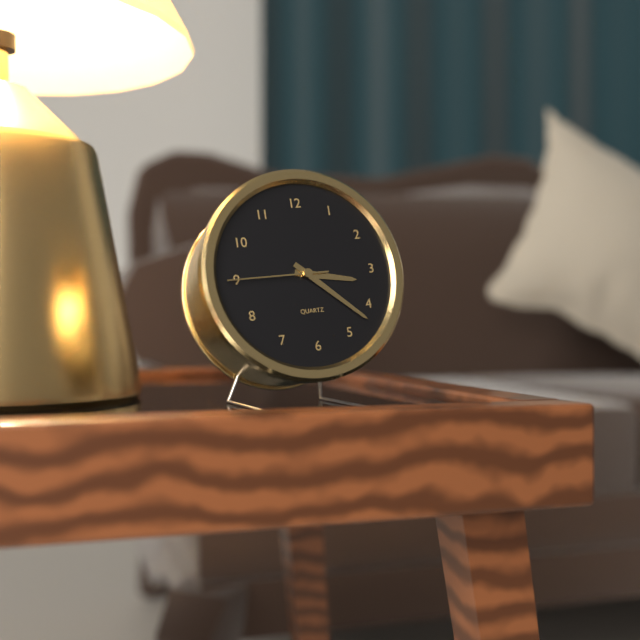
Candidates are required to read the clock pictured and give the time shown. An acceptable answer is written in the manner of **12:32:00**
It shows **3:22:45**
